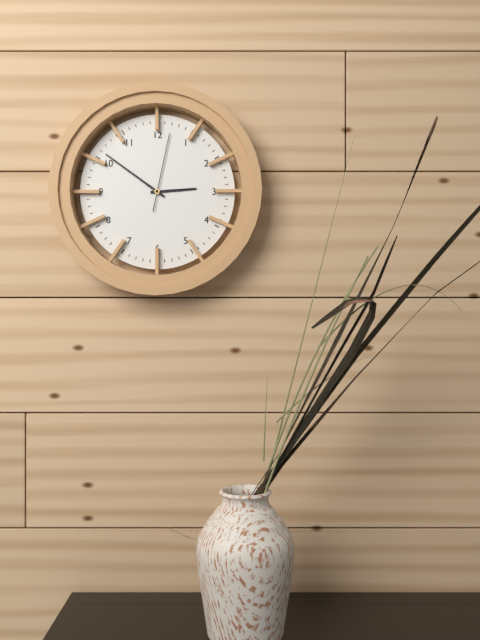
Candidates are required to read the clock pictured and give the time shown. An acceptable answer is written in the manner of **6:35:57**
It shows **2:51:02**
